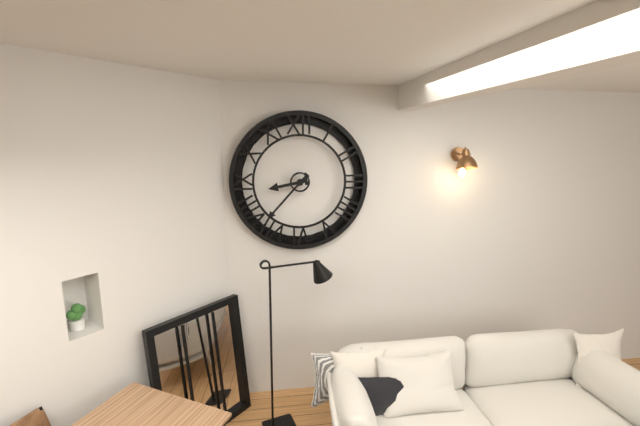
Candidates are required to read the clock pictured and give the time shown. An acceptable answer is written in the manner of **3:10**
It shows **8:37**
